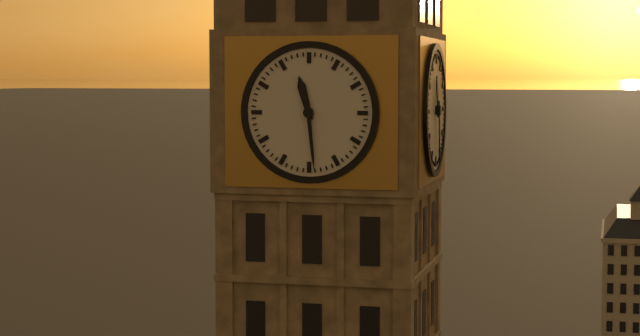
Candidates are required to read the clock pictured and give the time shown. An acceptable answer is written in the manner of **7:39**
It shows **11:29**
